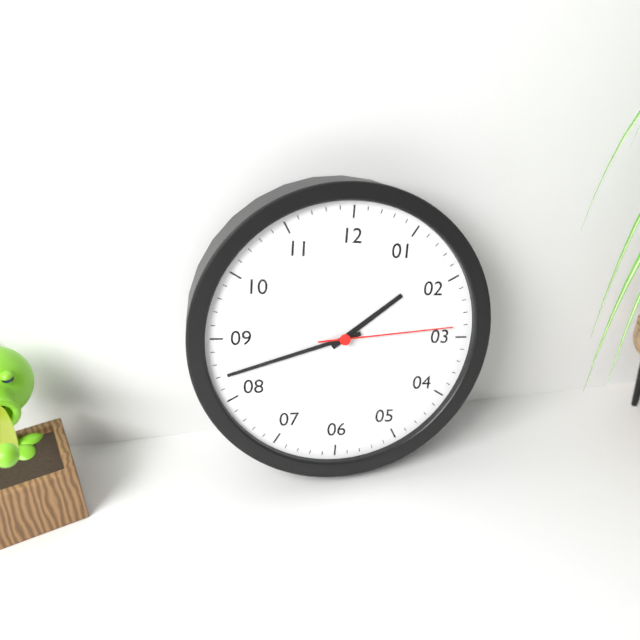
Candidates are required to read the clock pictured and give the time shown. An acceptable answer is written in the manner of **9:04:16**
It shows **1:42:14**
